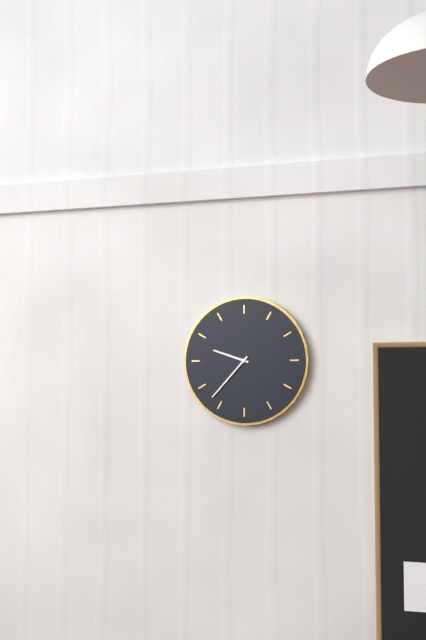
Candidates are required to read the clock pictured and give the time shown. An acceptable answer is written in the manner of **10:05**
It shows **9:37**
